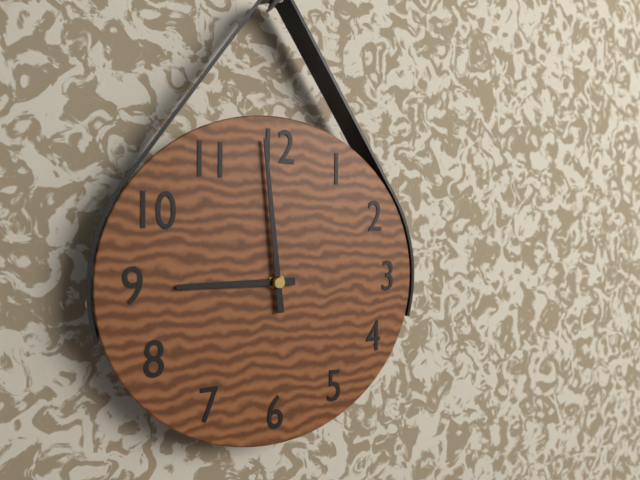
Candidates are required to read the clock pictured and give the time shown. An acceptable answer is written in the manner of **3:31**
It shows **8:59**
